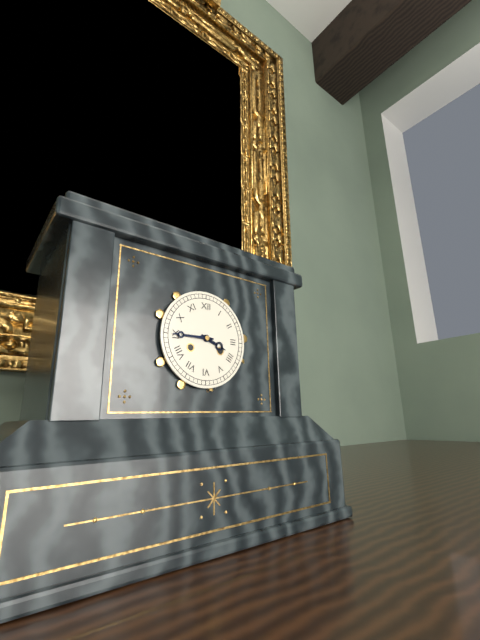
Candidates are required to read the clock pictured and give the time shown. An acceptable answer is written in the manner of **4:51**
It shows **3:45**
